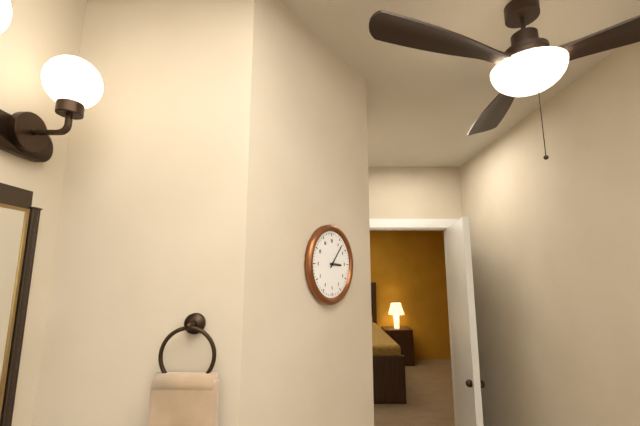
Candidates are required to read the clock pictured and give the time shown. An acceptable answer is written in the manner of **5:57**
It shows **3:07**
